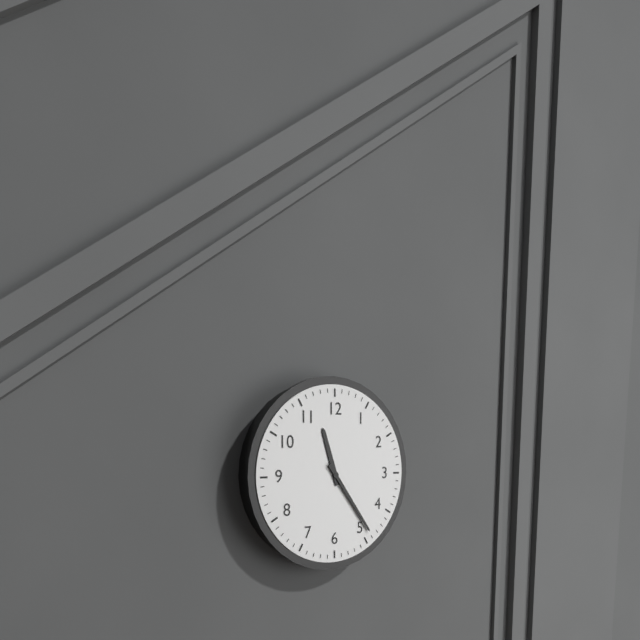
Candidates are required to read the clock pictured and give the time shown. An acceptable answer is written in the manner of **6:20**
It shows **11:24**
